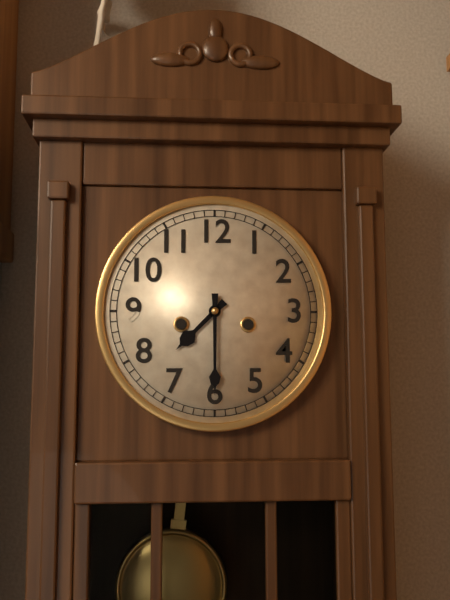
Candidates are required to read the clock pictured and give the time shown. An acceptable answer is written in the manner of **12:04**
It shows **7:30**
